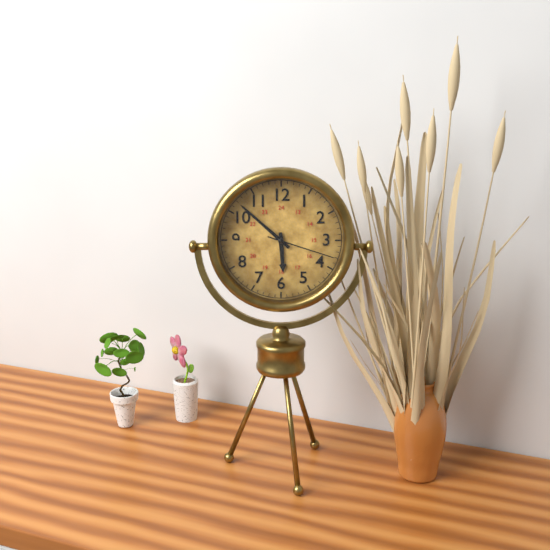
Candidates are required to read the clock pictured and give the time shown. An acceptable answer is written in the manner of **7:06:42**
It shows **5:52:18**
